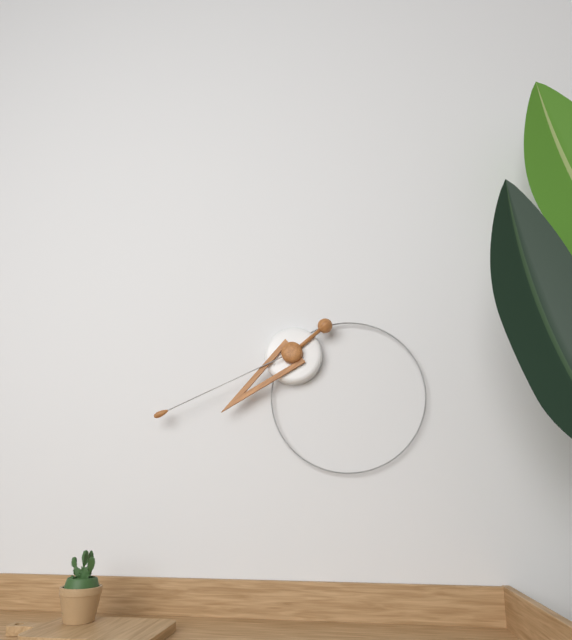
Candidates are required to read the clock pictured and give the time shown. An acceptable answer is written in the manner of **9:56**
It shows **7:41**
